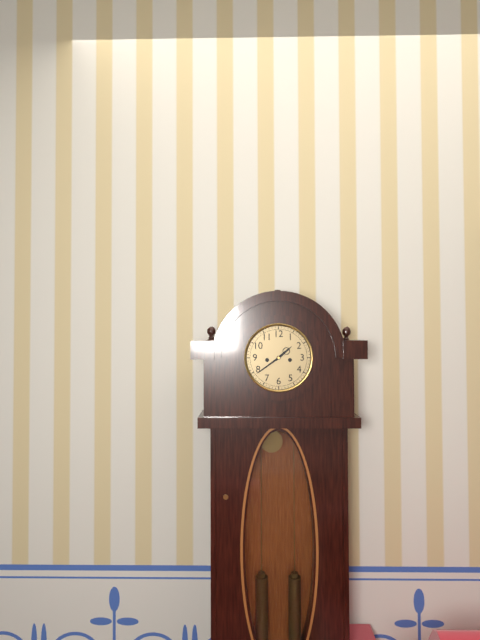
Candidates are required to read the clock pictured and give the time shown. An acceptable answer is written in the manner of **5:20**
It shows **1:39**
